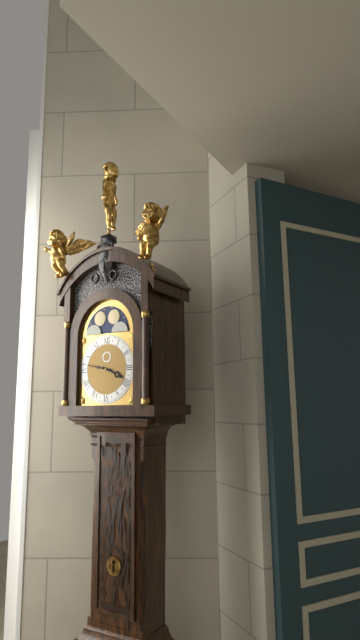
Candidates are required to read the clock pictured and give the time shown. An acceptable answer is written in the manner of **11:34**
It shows **3:47**
